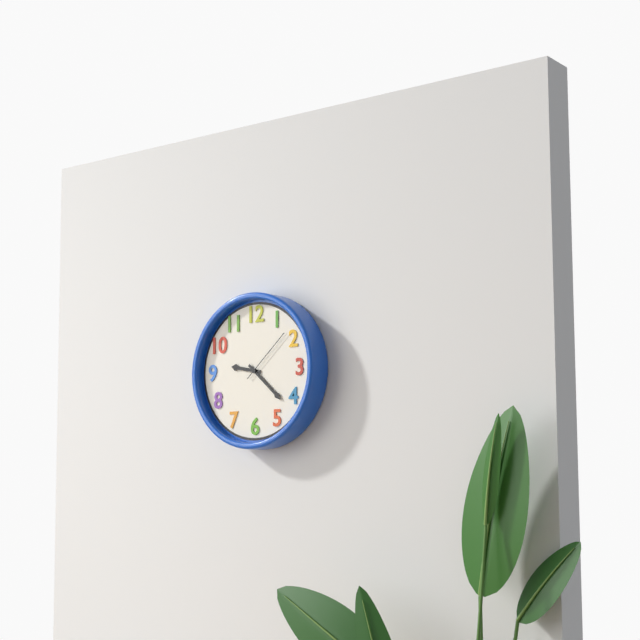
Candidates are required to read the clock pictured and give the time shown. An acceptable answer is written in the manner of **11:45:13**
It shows **9:22:08**
